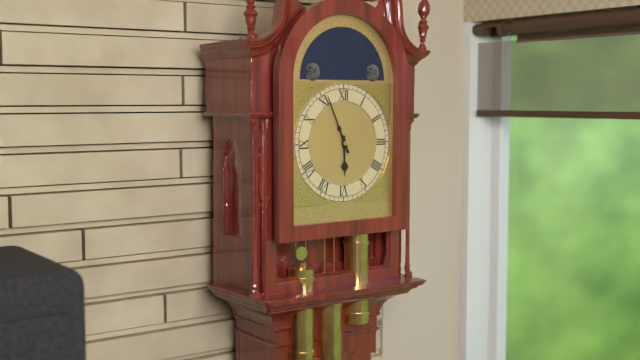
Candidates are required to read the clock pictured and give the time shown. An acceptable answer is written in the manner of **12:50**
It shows **5:56**
